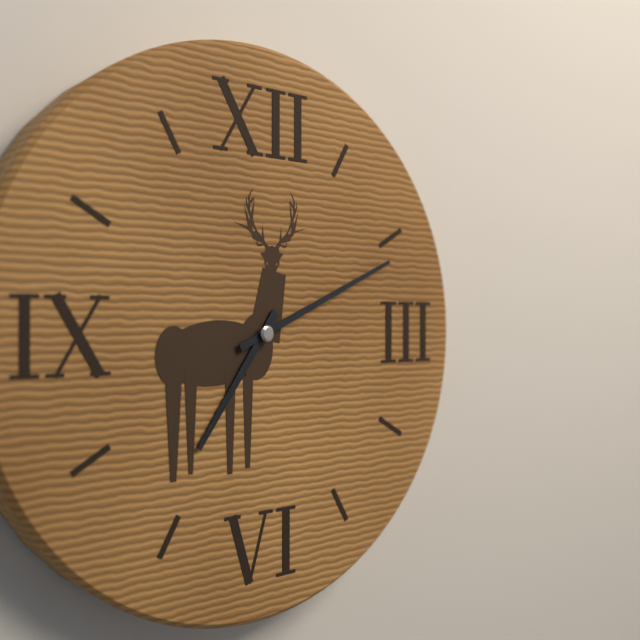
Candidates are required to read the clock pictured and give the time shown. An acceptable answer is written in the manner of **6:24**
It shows **7:11**
